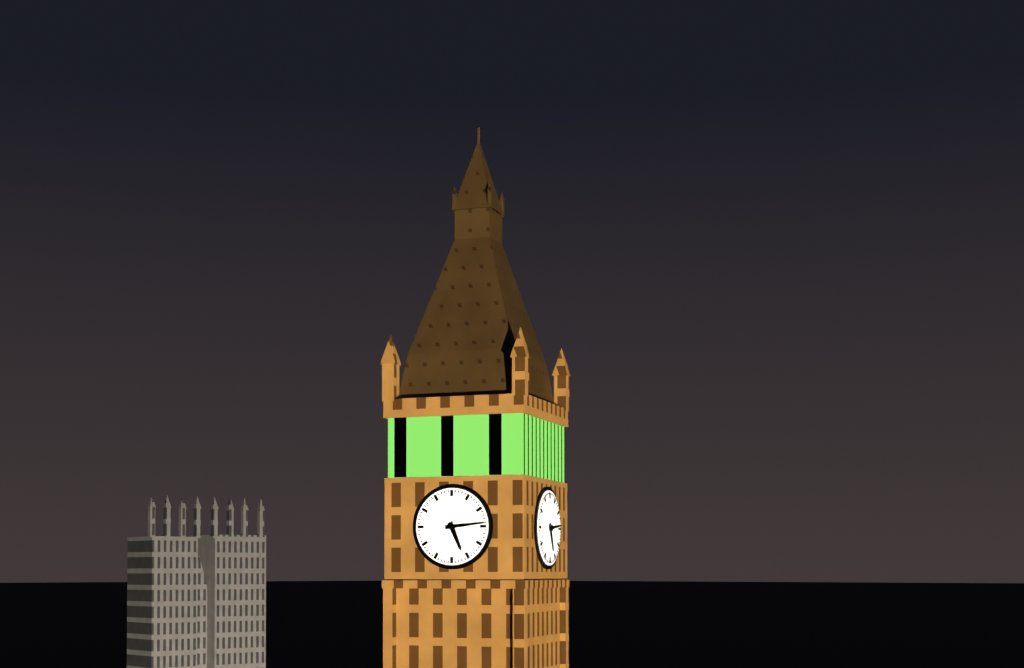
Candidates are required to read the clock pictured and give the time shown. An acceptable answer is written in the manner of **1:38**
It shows **5:14**
